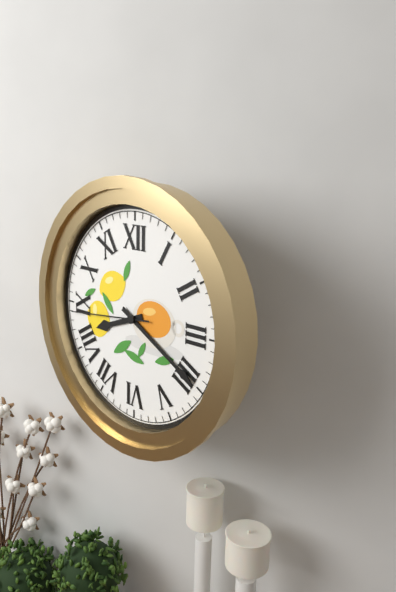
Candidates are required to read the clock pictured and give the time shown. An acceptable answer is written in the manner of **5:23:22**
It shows **8:20:44**
